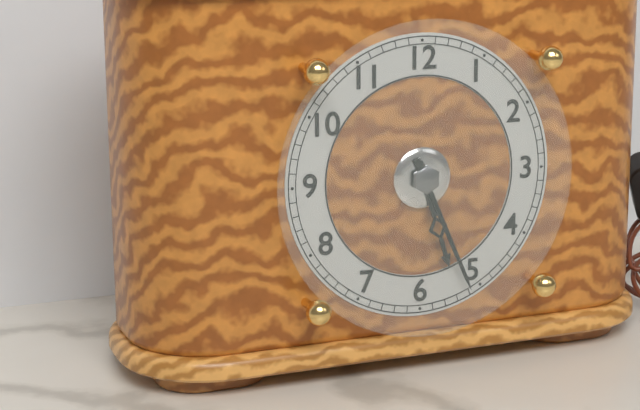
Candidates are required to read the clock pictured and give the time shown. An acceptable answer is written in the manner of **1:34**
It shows **5:26**
